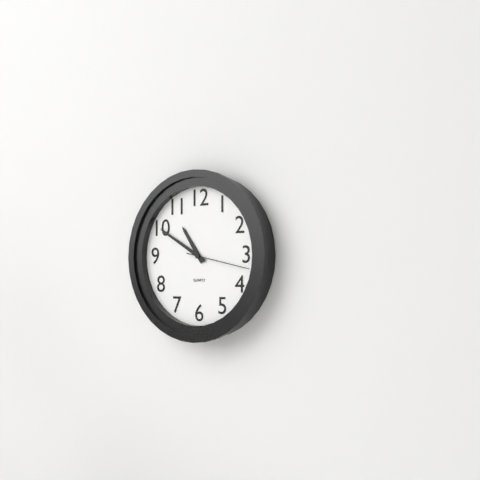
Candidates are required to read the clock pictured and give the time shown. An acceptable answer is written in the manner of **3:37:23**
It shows **10:50:17**
